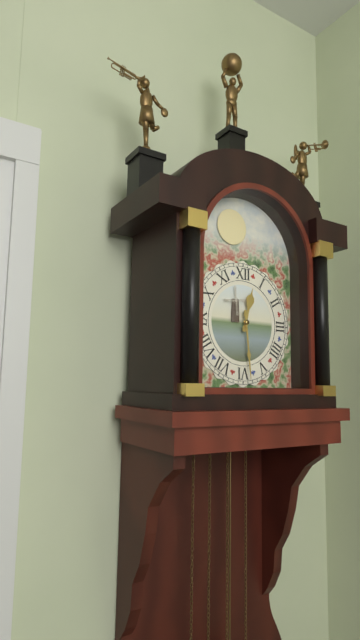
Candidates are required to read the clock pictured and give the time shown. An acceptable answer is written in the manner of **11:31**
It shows **12:29**
